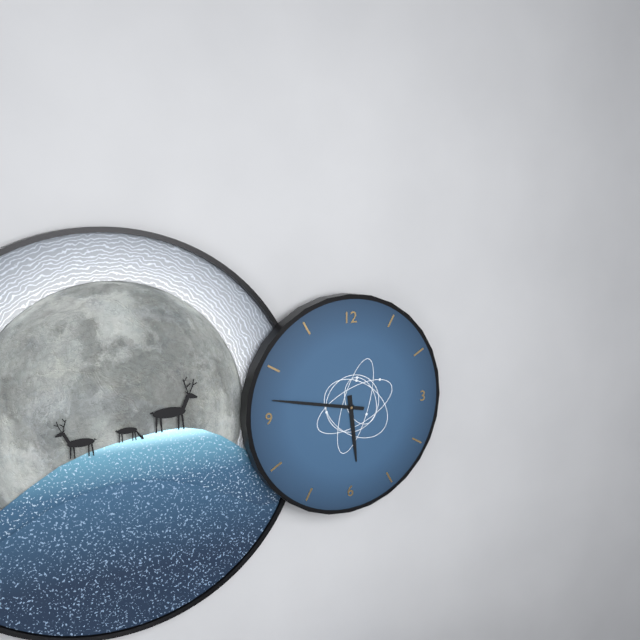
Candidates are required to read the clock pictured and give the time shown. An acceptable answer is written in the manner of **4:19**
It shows **5:47**
